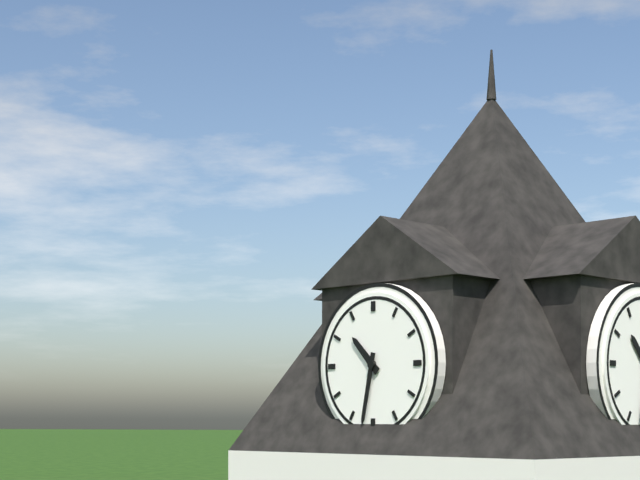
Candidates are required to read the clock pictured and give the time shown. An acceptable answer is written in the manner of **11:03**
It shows **10:32**
